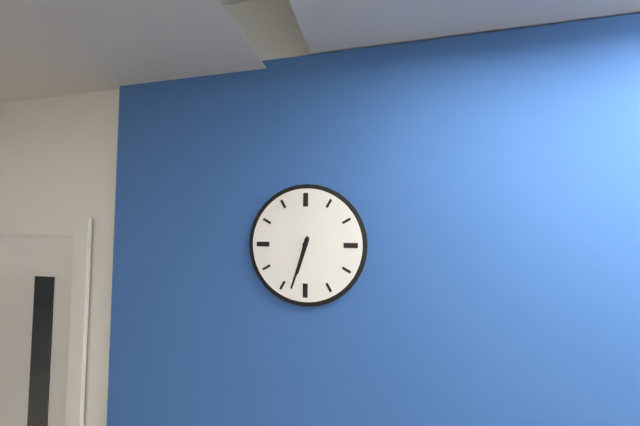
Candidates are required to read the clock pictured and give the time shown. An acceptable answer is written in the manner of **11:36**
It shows **6:33**
